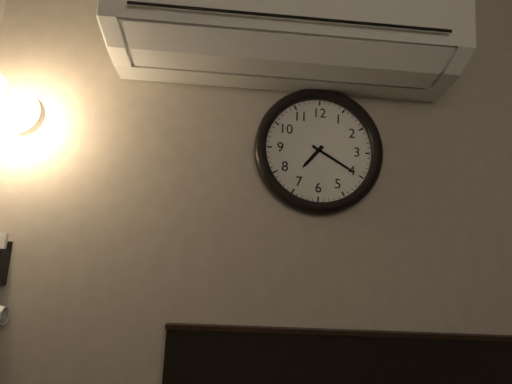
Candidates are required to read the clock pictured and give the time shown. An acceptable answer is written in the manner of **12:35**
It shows **7:20**
